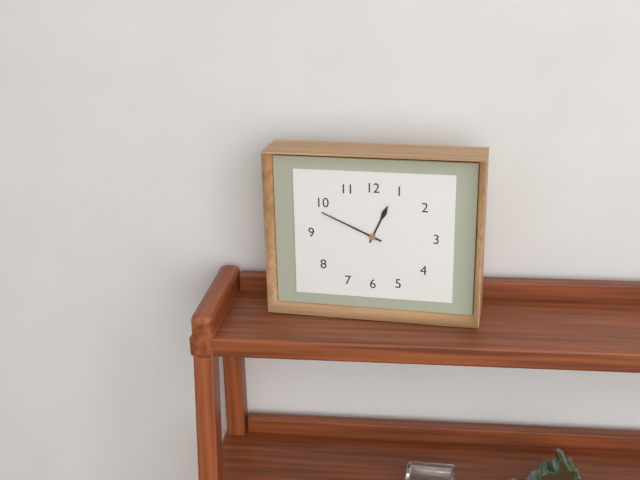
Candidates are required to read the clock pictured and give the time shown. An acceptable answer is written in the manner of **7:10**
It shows **12:49**
